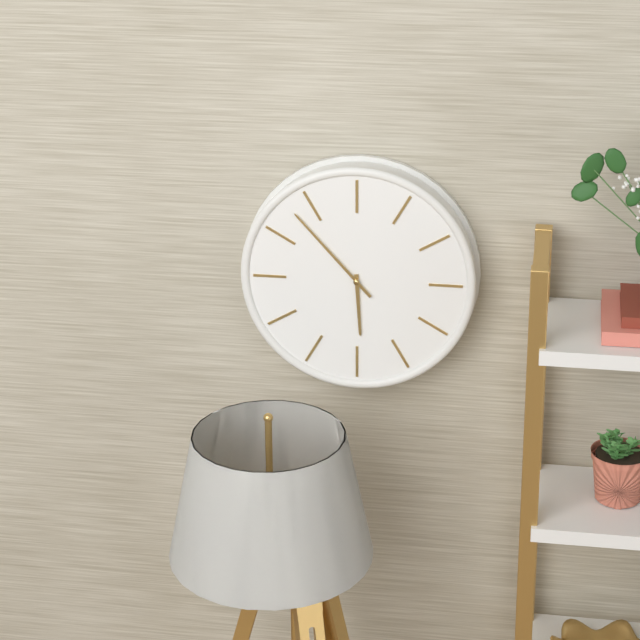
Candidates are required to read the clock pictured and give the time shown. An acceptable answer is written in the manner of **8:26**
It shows **5:53**
